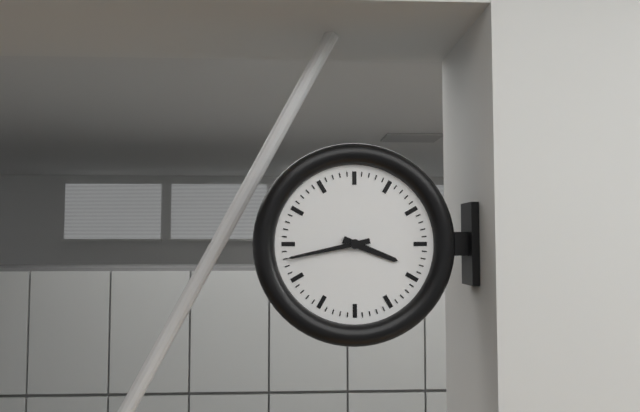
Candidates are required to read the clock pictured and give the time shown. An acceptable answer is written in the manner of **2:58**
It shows **3:43**
